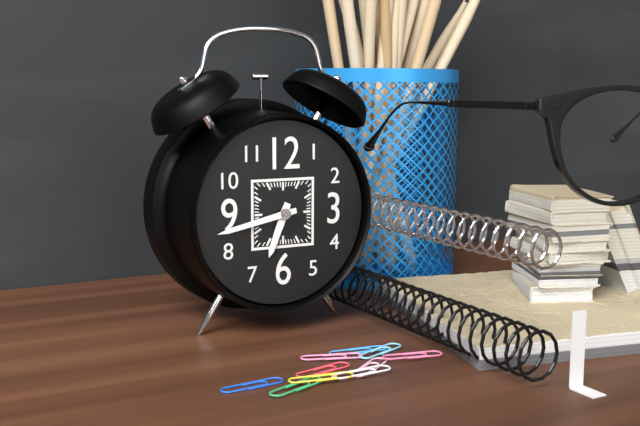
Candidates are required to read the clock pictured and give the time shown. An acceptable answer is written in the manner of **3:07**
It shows **6:43**
